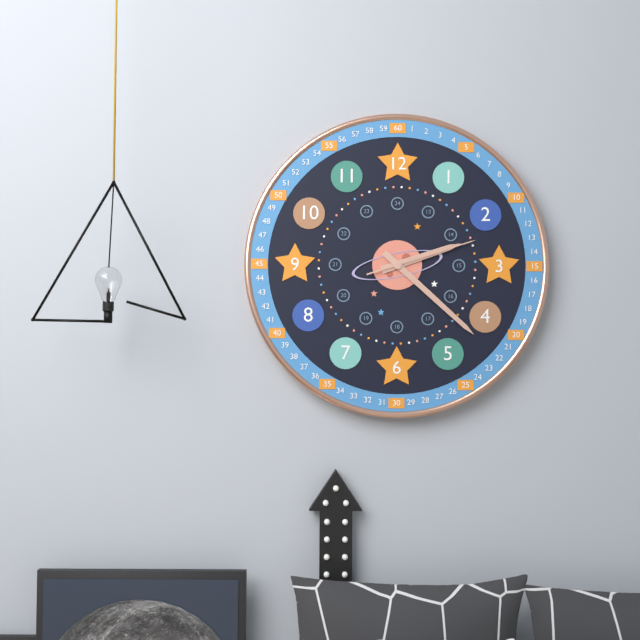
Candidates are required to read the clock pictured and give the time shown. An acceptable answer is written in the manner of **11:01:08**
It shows **2:22:12**
